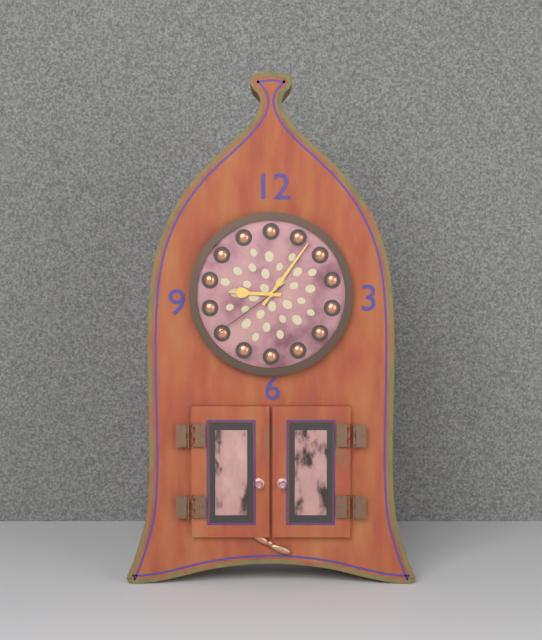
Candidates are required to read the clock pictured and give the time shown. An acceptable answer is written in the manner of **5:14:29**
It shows **9:06:39**
